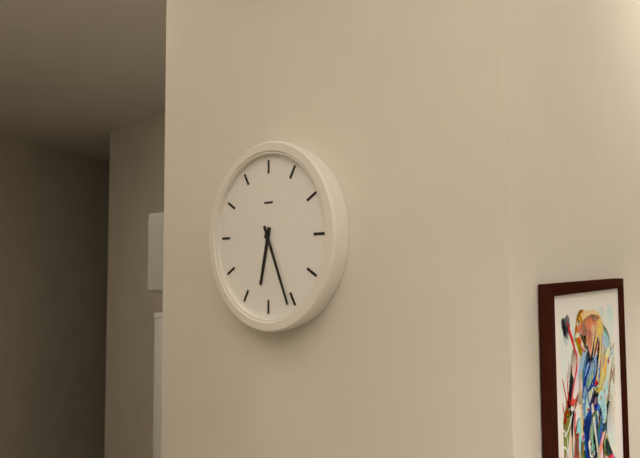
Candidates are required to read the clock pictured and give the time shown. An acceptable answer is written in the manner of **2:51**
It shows **6:26**
